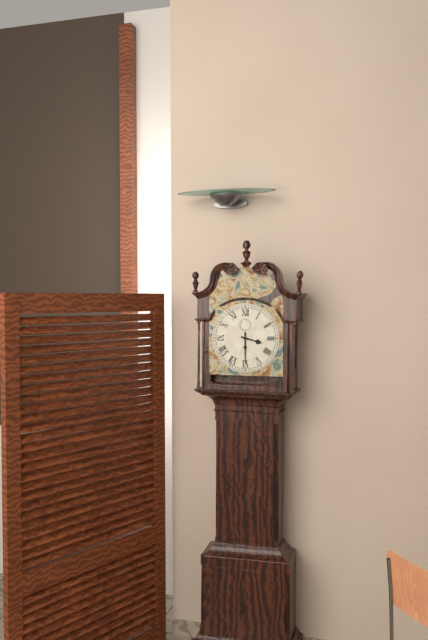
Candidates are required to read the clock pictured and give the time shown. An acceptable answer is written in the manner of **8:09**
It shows **3:30**
